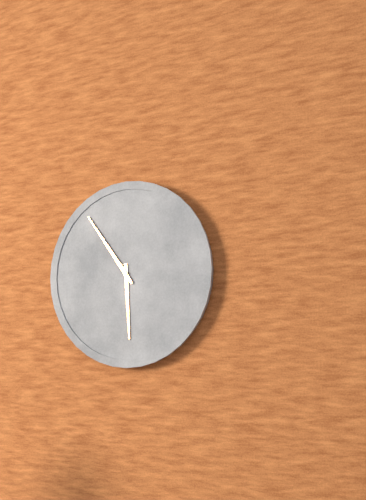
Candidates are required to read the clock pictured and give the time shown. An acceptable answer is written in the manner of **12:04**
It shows **5:54**
